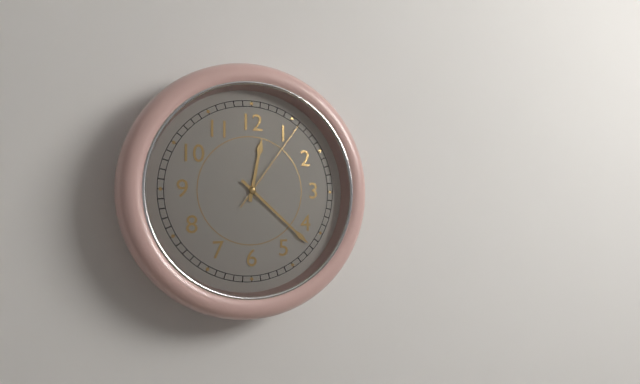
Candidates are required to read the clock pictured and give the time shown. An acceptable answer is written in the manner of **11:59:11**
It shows **12:22:06**
